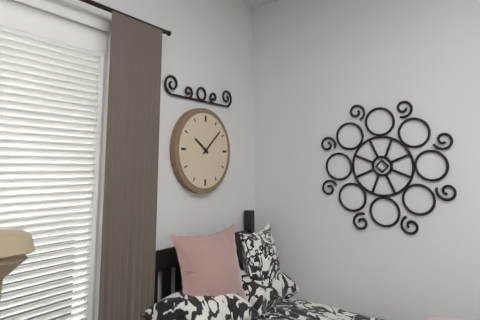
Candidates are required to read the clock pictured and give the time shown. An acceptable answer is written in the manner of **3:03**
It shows **10:08**
